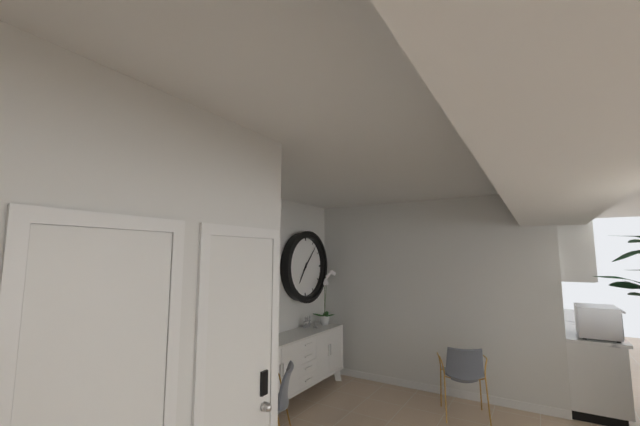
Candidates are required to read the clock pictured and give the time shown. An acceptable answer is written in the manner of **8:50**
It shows **7:07**
